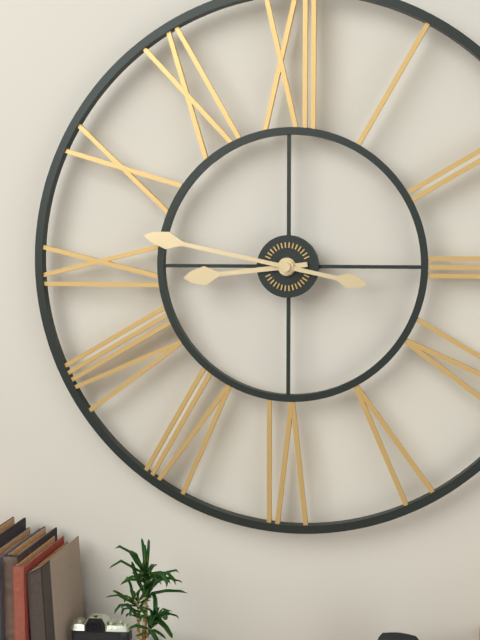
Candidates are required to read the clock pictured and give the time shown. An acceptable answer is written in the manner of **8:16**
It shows **8:47**
